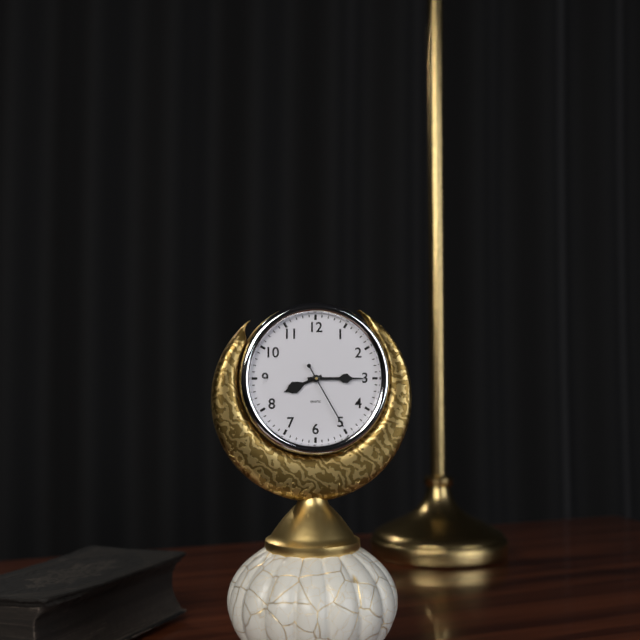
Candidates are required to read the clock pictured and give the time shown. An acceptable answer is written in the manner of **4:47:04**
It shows **8:15:25**
